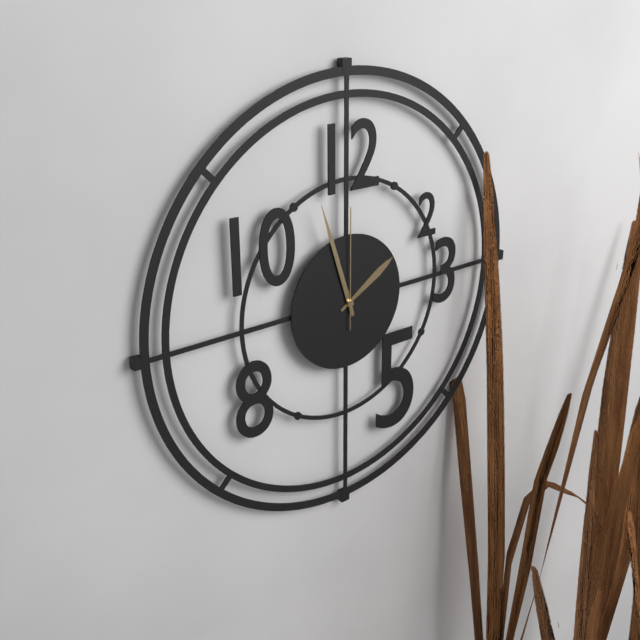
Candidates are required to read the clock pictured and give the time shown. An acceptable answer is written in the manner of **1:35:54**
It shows **1:57:00**
